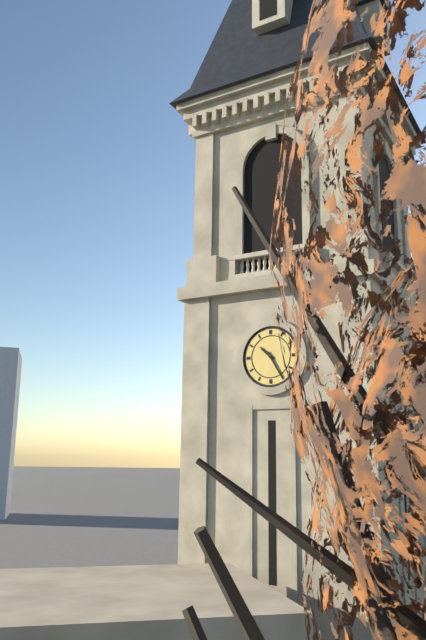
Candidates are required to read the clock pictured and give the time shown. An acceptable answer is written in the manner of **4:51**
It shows **10:25**
